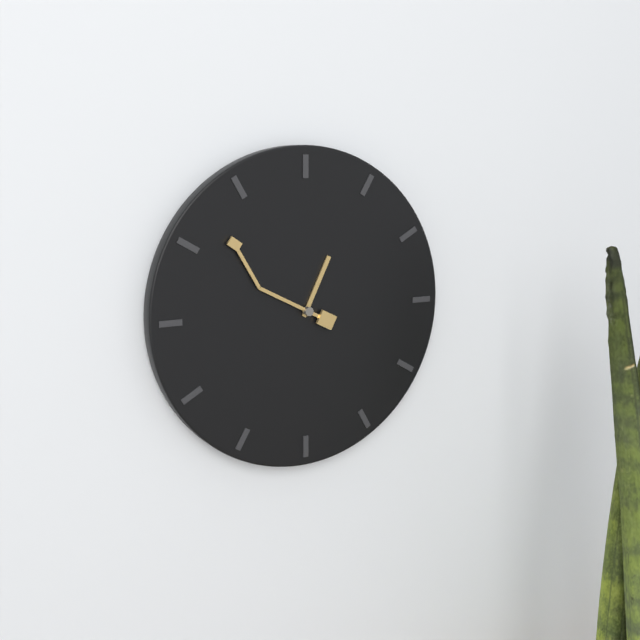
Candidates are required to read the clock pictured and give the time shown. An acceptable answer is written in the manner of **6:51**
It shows **12:52**
